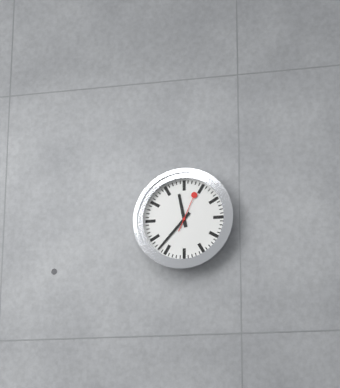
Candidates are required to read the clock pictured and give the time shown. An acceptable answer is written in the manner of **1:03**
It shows **11:37**
